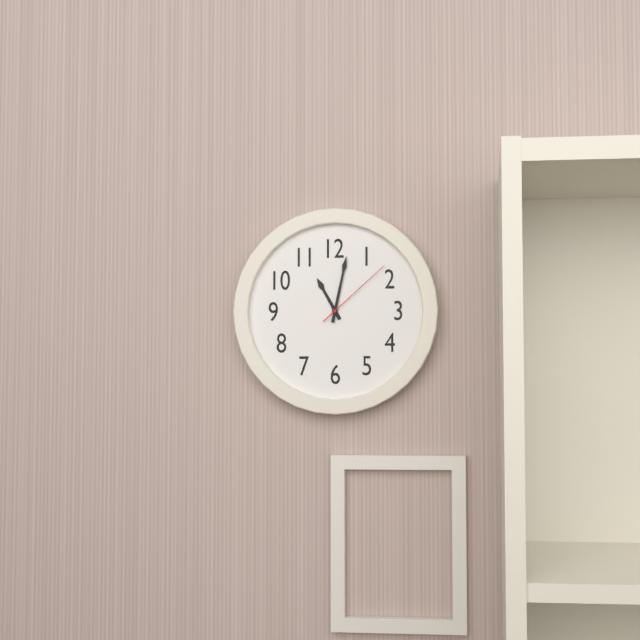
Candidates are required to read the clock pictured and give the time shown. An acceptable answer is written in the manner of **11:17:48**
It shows **11:02:08**
